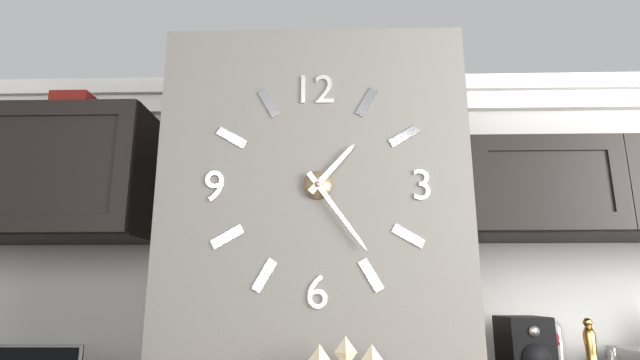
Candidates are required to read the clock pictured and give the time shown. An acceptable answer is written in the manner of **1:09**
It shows **1:24**
